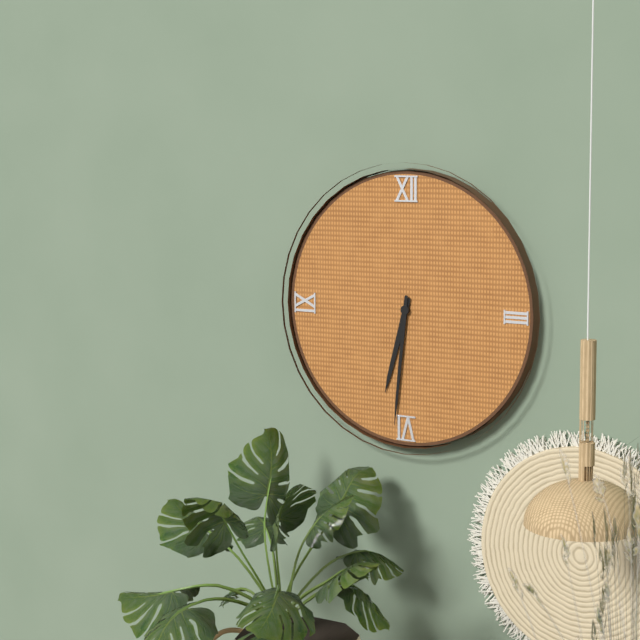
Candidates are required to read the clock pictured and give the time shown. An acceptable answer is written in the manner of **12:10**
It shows **6:31**
